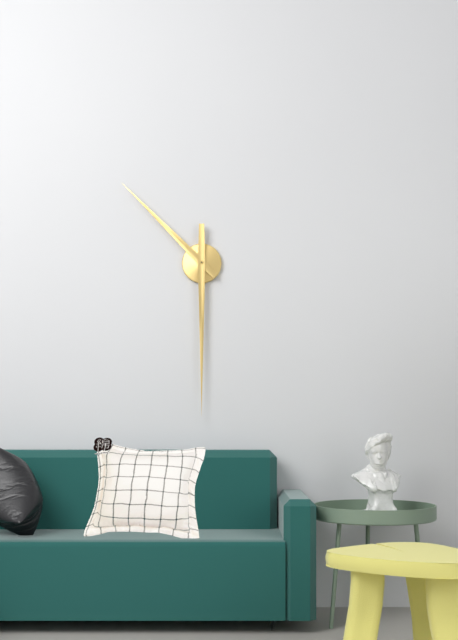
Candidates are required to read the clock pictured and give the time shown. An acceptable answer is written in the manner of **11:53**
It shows **10:30**
